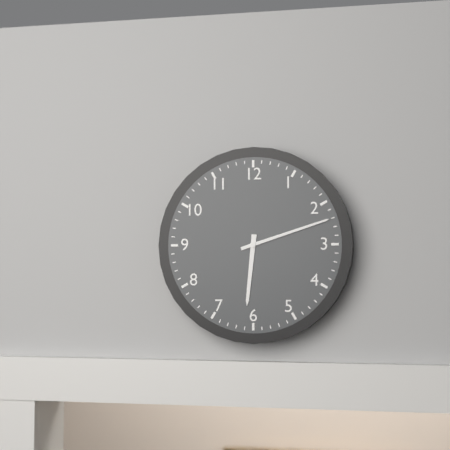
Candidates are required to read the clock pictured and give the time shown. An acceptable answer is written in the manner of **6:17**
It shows **6:12**
